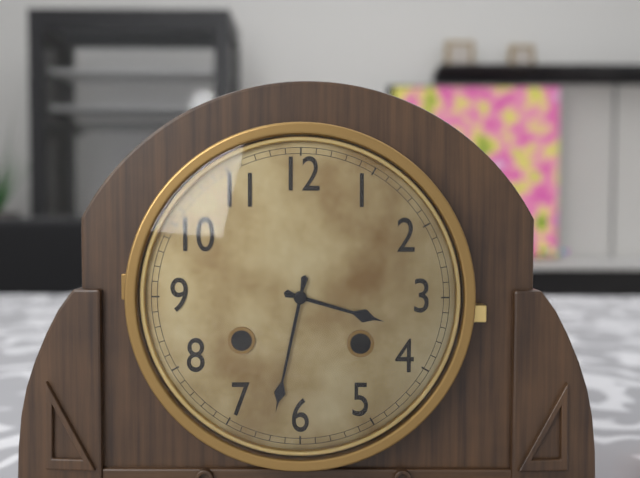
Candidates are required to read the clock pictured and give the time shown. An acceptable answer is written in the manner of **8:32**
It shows **3:32**
